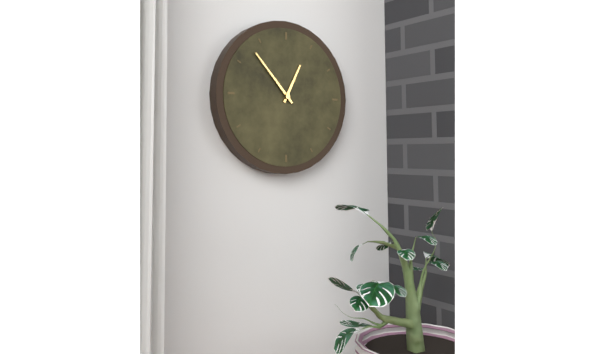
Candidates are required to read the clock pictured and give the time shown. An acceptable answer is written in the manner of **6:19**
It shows **12:53**
